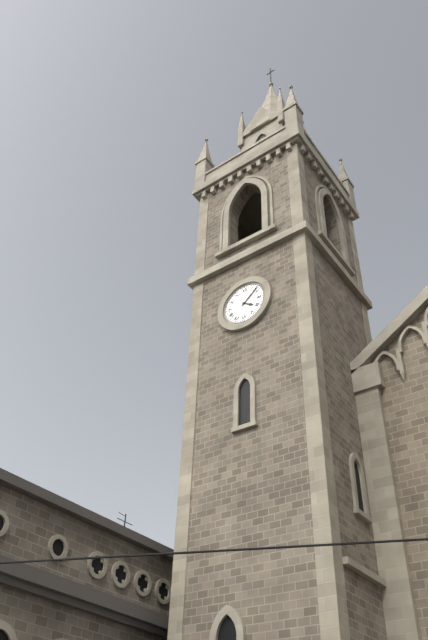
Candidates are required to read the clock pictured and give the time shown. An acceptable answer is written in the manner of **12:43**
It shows **4:08**
